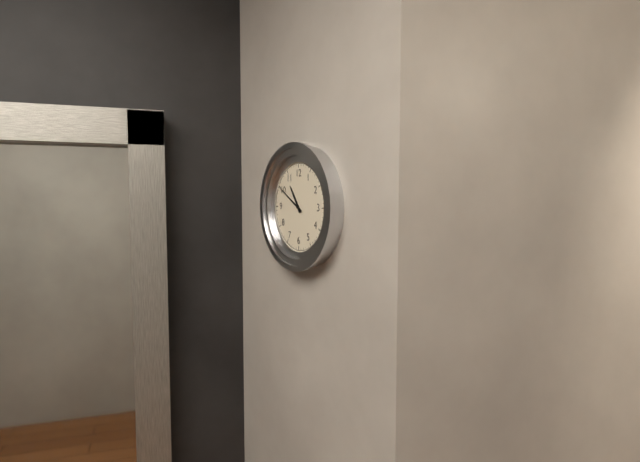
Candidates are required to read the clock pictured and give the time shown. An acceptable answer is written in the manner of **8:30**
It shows **10:50**
